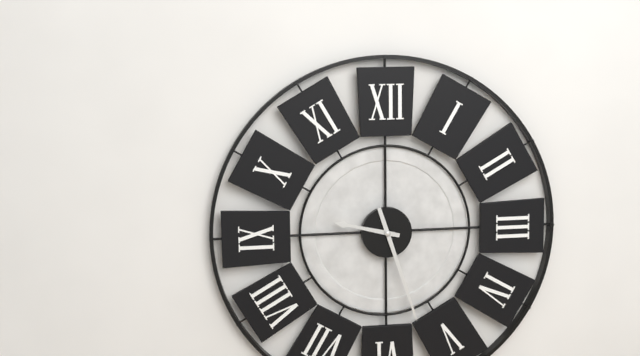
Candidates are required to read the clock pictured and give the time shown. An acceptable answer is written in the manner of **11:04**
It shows **9:27**
